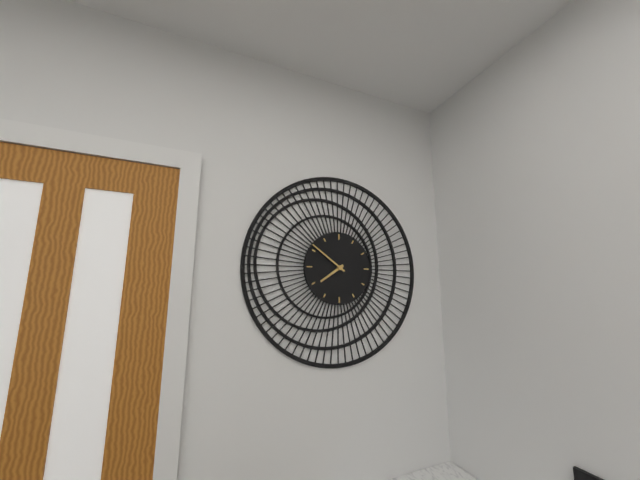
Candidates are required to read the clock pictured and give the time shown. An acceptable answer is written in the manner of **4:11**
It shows **7:51**
